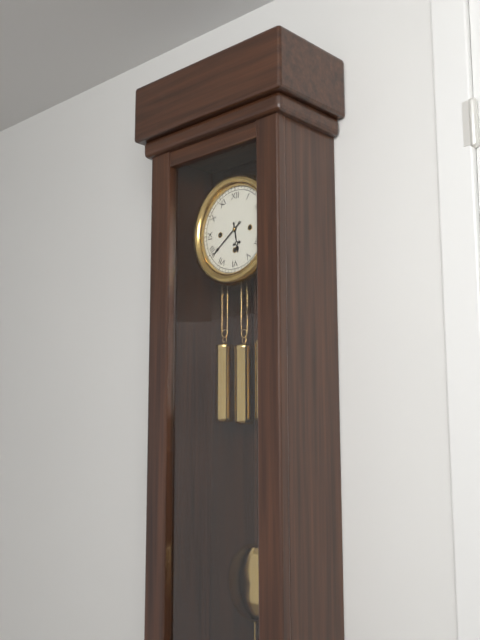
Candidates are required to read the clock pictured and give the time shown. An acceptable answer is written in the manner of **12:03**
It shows **5:39**
